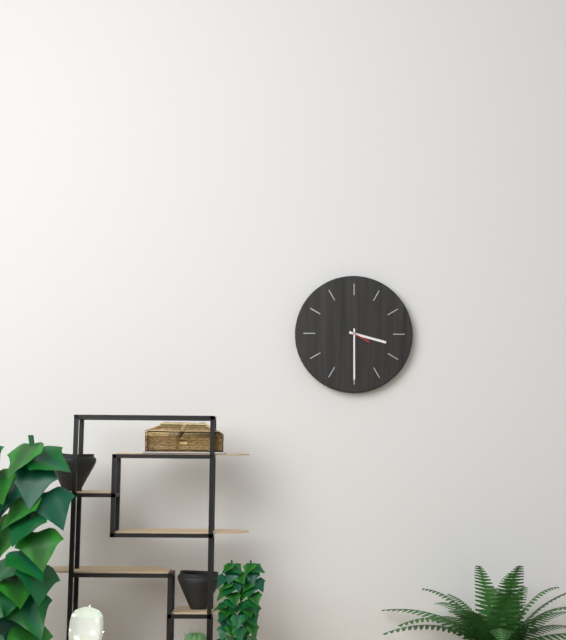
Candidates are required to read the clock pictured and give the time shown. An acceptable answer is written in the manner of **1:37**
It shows **3:30**
